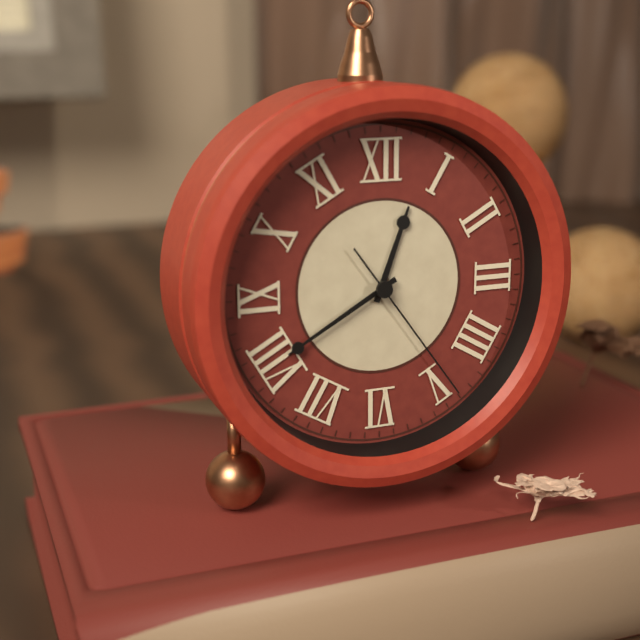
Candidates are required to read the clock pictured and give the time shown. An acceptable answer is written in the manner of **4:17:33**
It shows **12:40:24**
